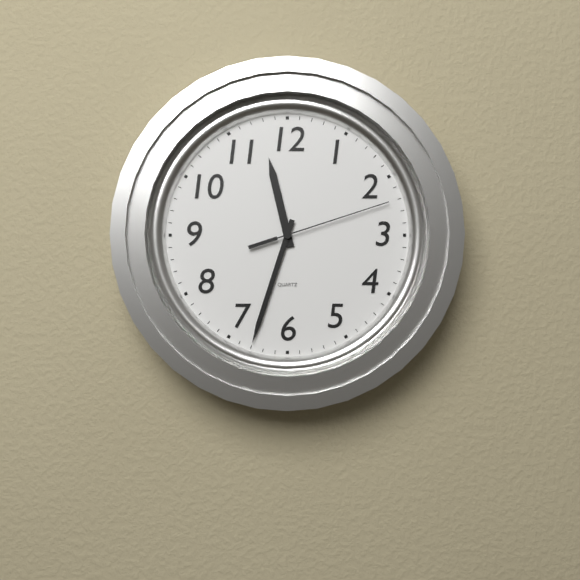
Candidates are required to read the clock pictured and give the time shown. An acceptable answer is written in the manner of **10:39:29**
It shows **11:33:12**
